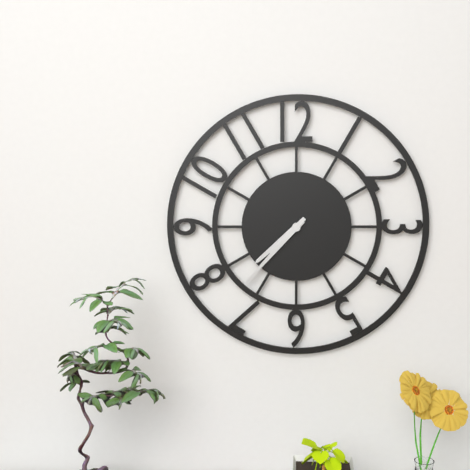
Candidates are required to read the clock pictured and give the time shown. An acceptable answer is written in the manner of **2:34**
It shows **7:37**
